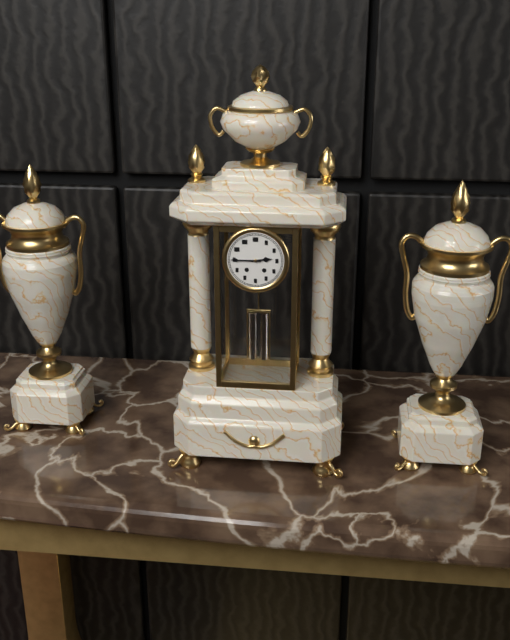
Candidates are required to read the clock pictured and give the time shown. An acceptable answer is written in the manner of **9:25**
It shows **2:45**
